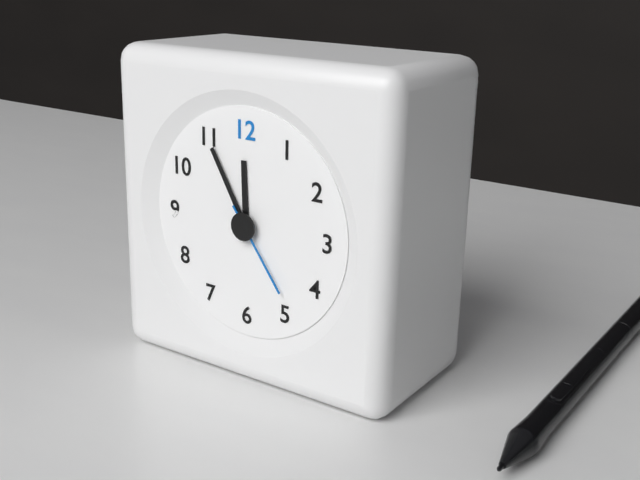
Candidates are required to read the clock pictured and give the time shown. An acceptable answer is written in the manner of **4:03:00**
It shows **11:55:24**
